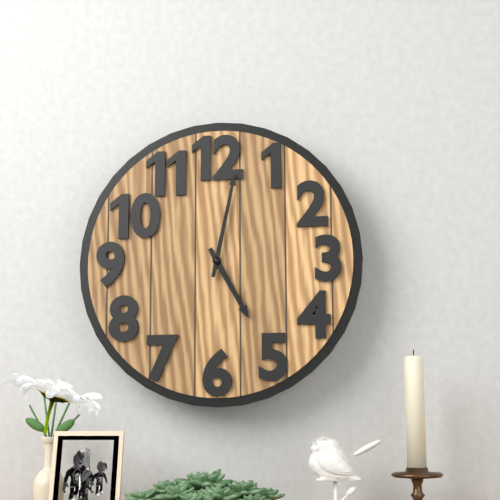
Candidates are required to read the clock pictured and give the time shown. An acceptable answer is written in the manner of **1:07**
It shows **5:02**
